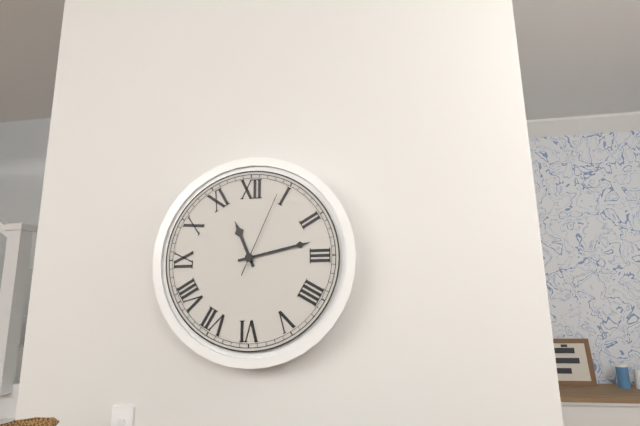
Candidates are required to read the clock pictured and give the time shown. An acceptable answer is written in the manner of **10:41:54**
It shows **11:13:04**
